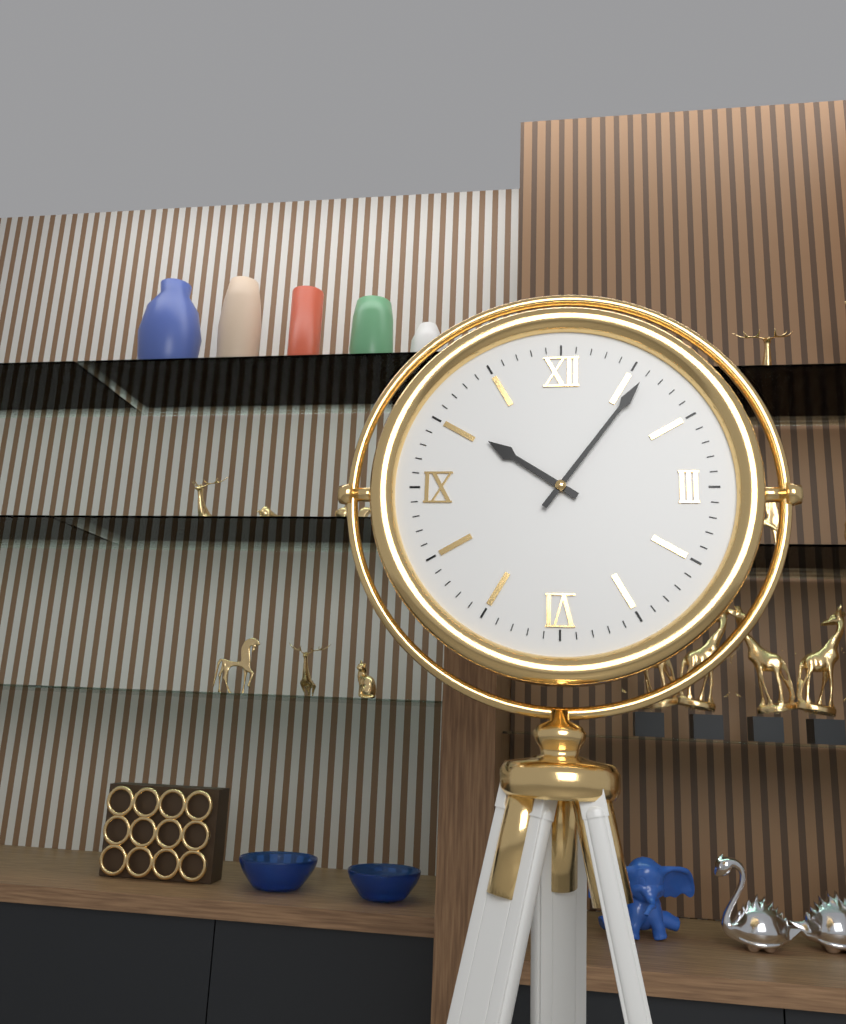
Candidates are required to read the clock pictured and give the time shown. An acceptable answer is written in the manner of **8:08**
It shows **10:06**
